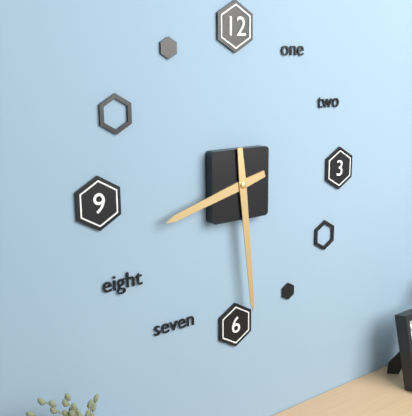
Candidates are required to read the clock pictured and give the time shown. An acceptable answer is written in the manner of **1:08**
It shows **8:29**
